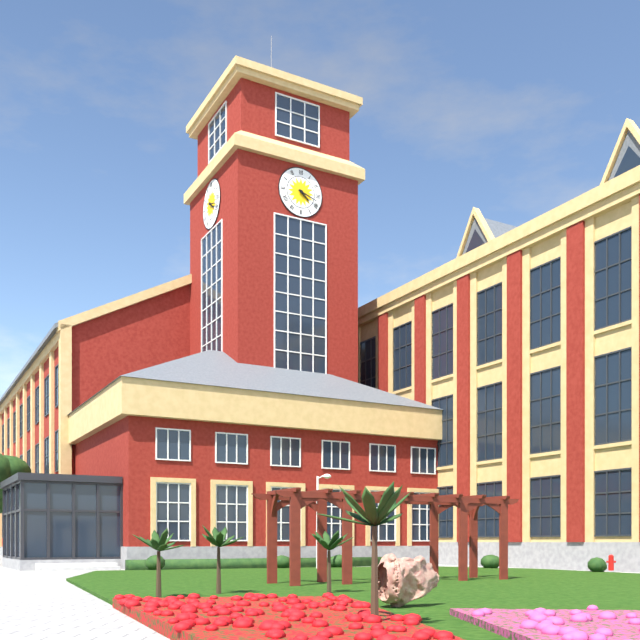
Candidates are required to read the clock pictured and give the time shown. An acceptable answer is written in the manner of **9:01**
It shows **4:18**
